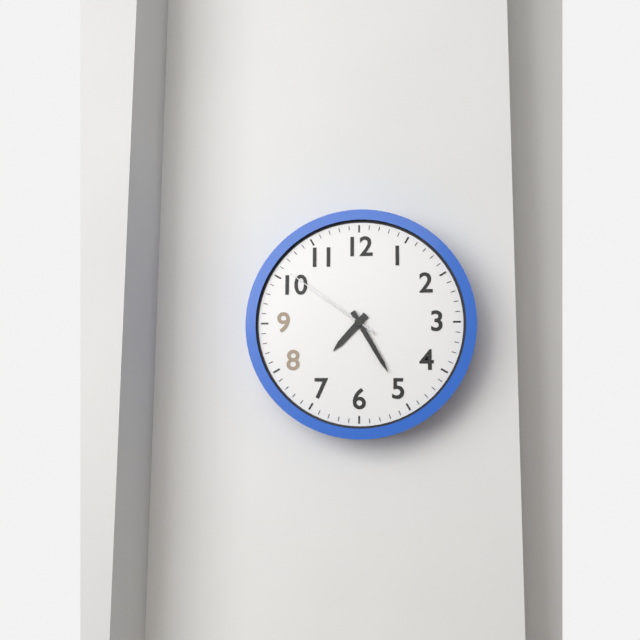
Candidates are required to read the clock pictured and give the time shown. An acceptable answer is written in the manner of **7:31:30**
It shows **7:25:51**
